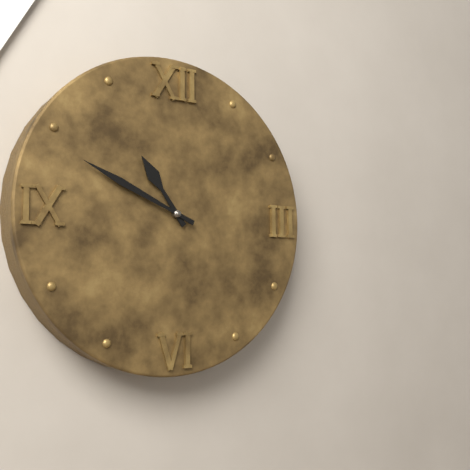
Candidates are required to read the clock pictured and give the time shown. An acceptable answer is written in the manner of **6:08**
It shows **10:49**
